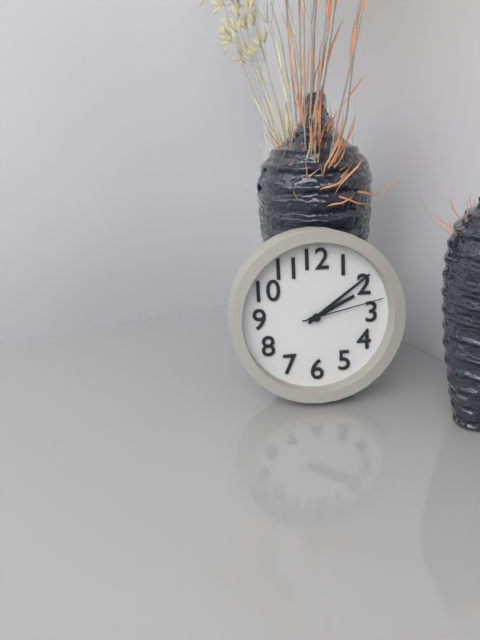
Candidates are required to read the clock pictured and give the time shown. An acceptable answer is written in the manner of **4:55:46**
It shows **2:09:13**
